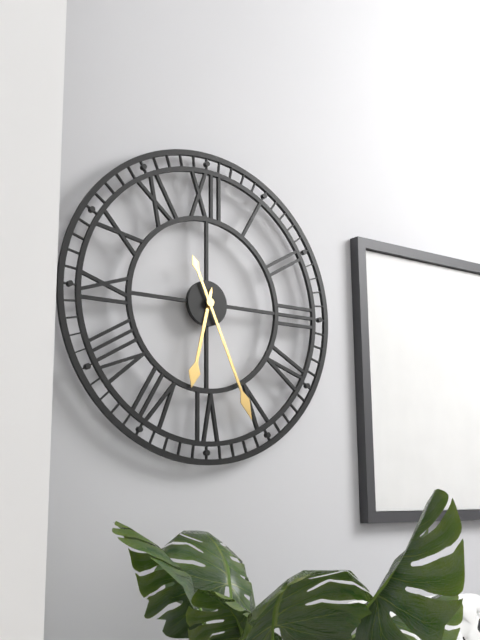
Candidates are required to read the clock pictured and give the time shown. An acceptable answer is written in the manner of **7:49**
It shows **6:26**
